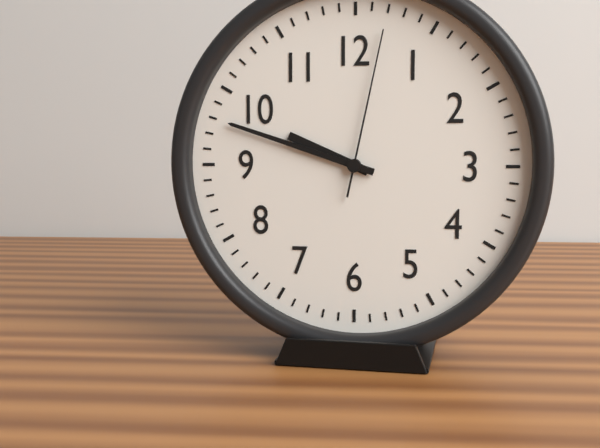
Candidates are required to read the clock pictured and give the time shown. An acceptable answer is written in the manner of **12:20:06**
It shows **9:48:02**
